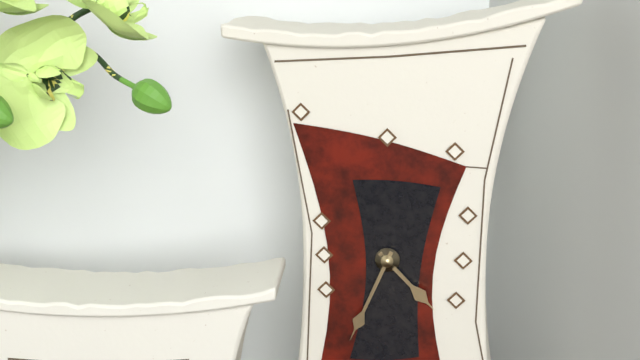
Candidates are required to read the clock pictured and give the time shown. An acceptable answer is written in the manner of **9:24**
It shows **4:34**
